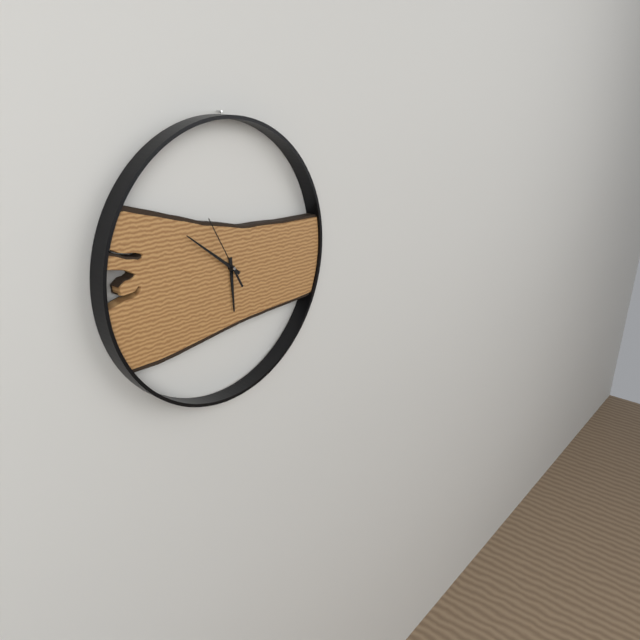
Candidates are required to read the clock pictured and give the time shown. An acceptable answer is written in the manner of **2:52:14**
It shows **5:51:55**
